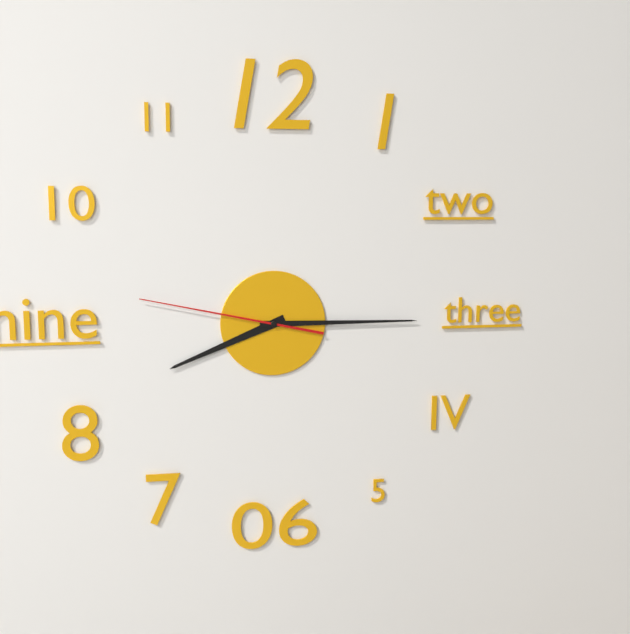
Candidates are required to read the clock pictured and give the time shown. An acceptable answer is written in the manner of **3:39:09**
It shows **8:15:47**
